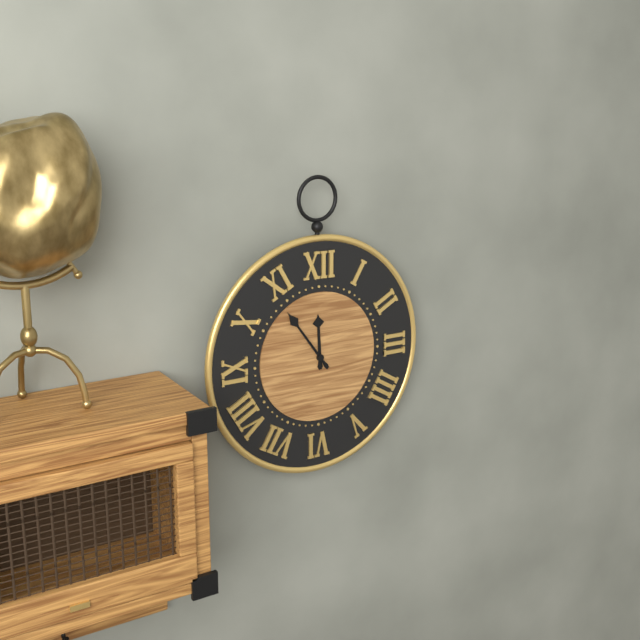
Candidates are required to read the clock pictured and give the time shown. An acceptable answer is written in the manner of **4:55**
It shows **11:54**
